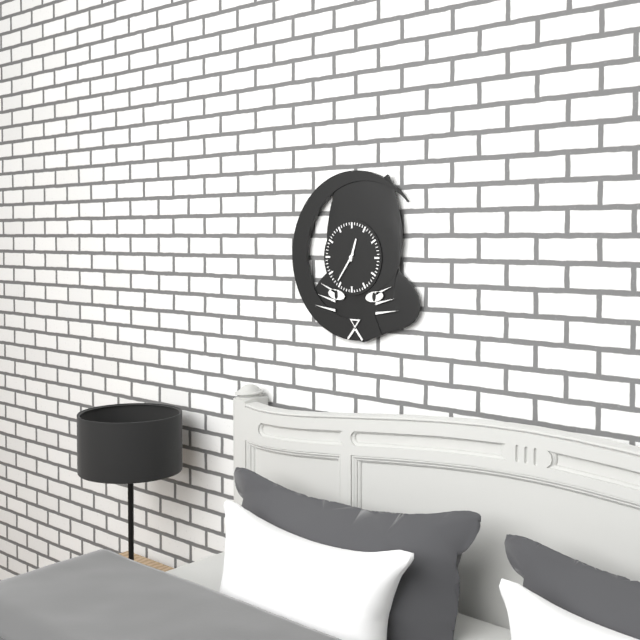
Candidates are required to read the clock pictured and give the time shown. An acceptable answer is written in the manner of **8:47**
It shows **12:36**
